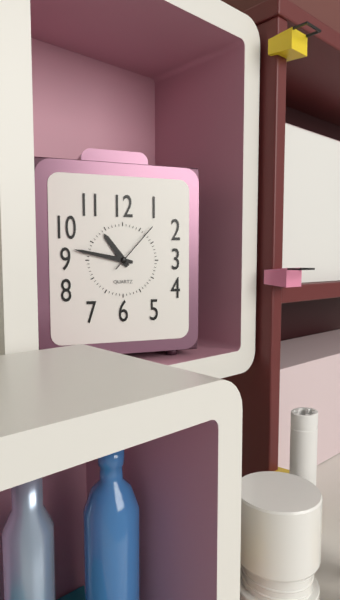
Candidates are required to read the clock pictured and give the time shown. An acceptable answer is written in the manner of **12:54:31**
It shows **10:47:07**
